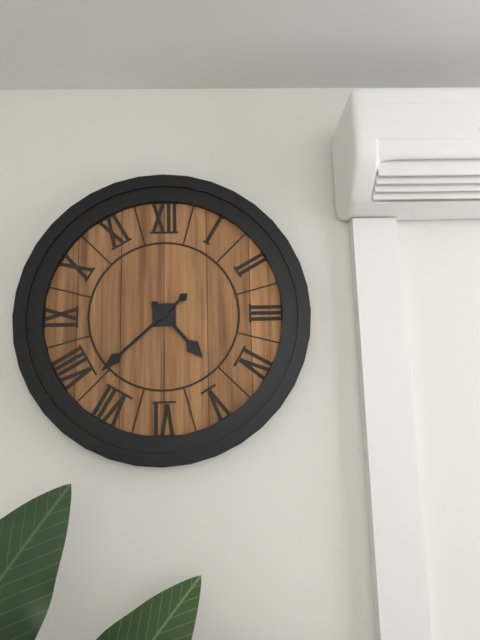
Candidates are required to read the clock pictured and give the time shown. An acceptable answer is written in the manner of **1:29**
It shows **4:38**
